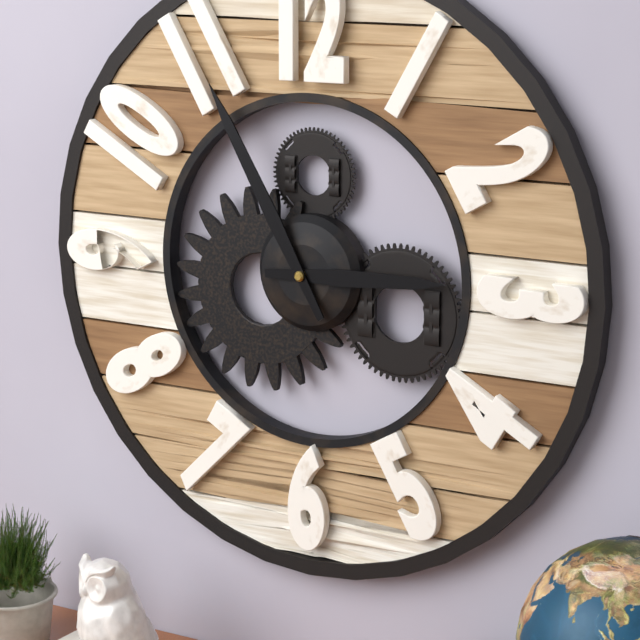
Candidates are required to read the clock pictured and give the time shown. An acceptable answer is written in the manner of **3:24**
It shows **2:55**
